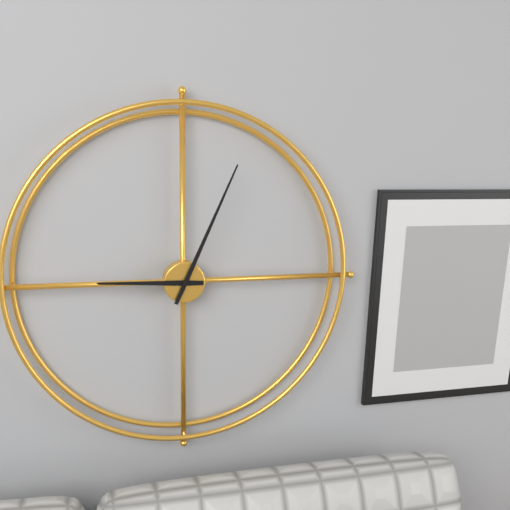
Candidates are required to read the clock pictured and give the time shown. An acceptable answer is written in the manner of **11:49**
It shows **9:04**
